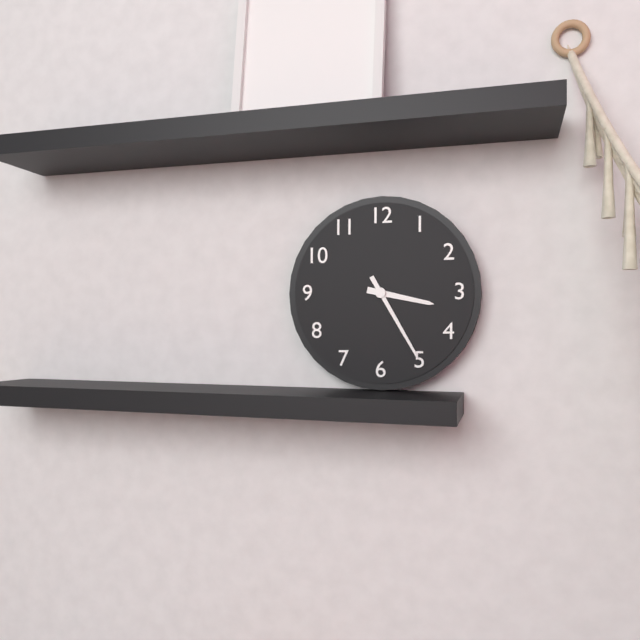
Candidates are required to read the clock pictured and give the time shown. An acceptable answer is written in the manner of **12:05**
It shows **3:25**
